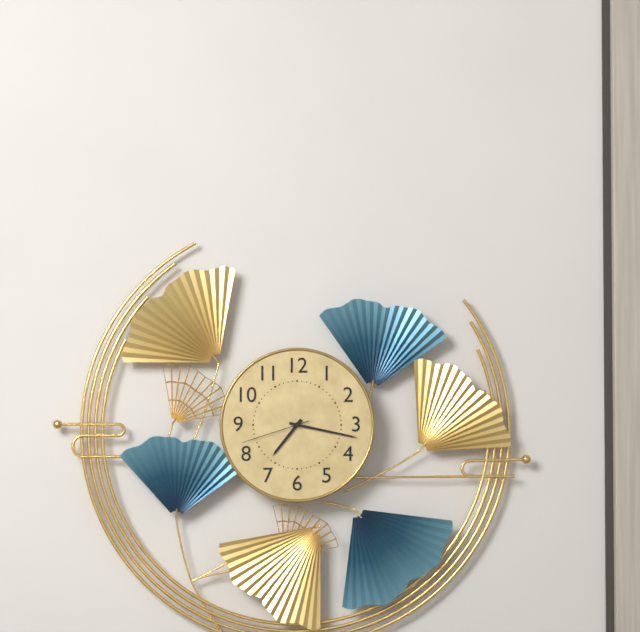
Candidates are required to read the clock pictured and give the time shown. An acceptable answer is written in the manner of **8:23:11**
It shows **7:17:42**
